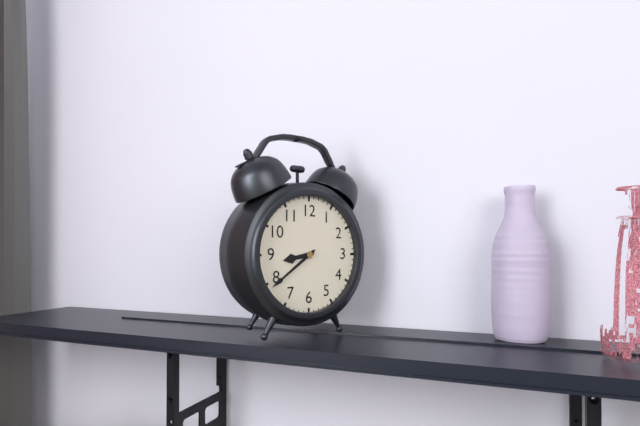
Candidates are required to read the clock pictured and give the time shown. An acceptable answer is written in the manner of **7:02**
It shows **8:39**
